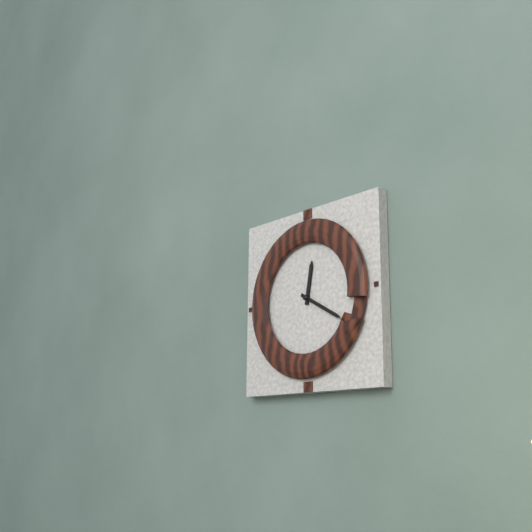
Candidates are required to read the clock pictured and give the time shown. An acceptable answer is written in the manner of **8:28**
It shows **12:20**
